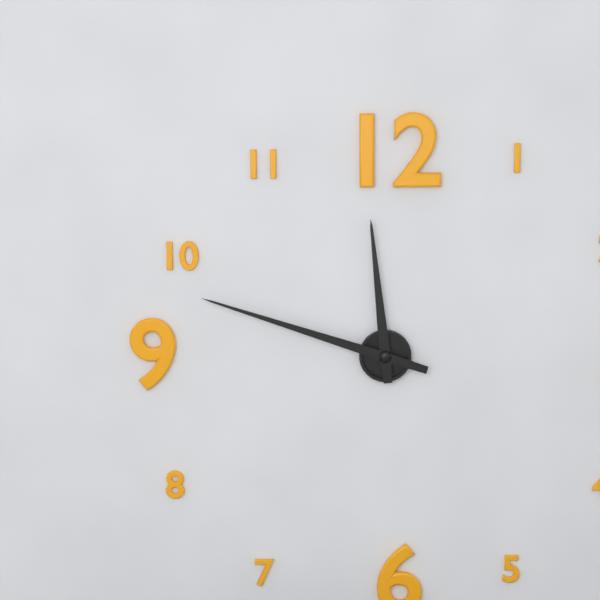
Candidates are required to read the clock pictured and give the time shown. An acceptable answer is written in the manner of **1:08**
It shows **11:48**
